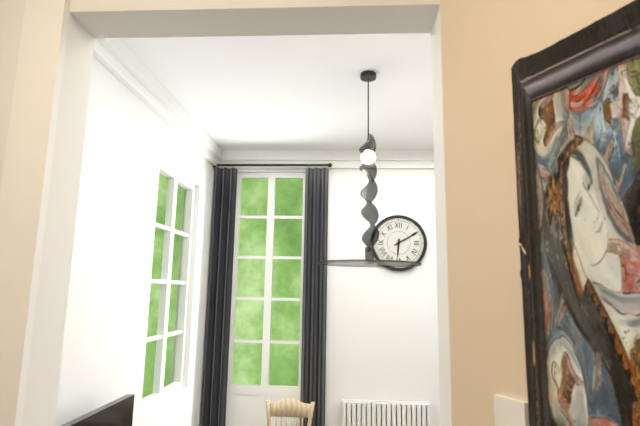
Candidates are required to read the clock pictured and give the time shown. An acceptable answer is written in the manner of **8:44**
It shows **6:10**
